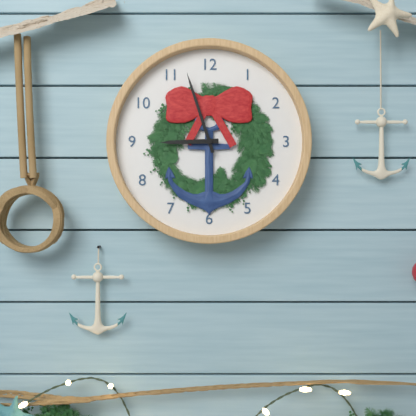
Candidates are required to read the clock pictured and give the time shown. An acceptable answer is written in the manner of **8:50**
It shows **8:57**
